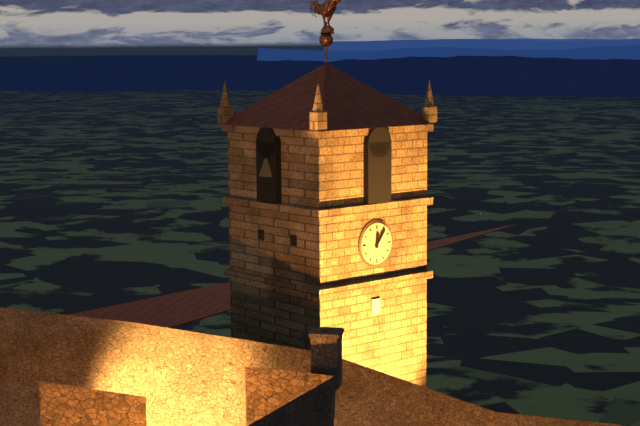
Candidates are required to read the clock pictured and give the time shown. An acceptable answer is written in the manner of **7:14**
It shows **12:06**
